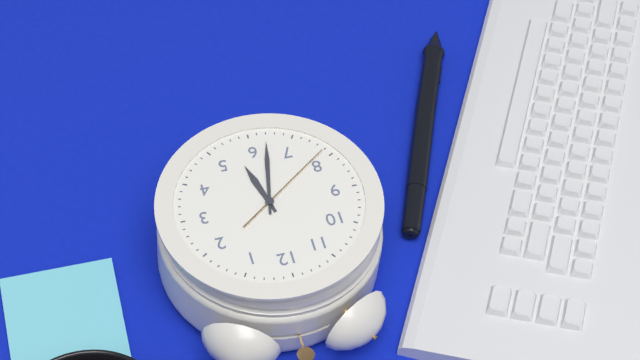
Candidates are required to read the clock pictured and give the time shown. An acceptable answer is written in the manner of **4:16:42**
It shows **5:32:39**
